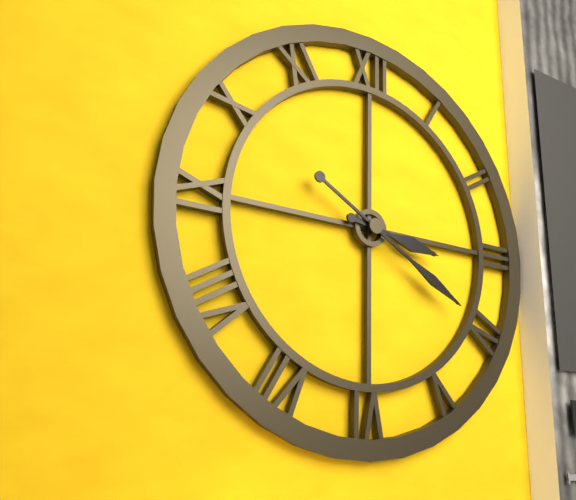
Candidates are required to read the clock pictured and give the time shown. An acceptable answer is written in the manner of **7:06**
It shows **3:20**
